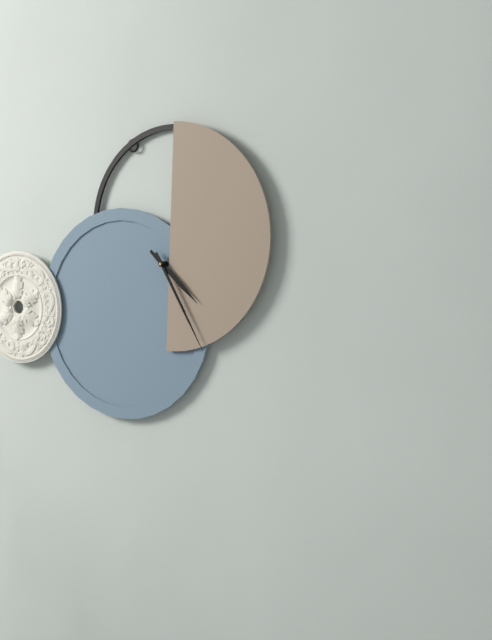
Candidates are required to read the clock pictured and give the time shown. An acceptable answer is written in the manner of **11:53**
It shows **4:25**
